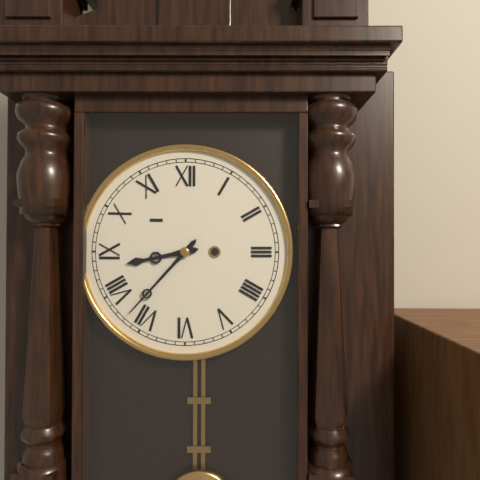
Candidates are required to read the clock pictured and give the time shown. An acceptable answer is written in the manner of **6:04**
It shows **8:37**
